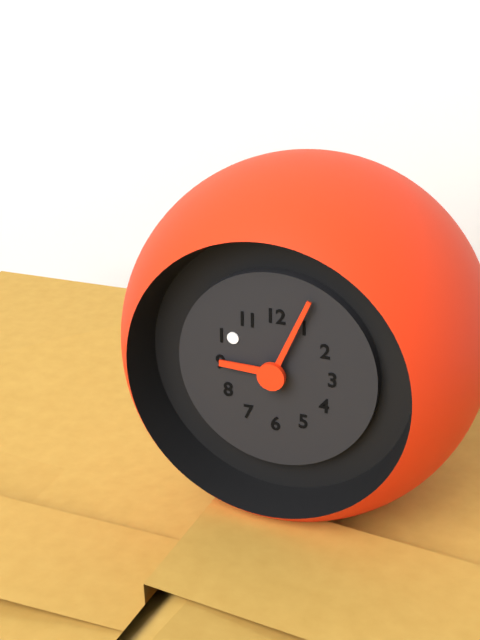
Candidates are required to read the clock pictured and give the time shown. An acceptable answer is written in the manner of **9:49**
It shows **9:04**
